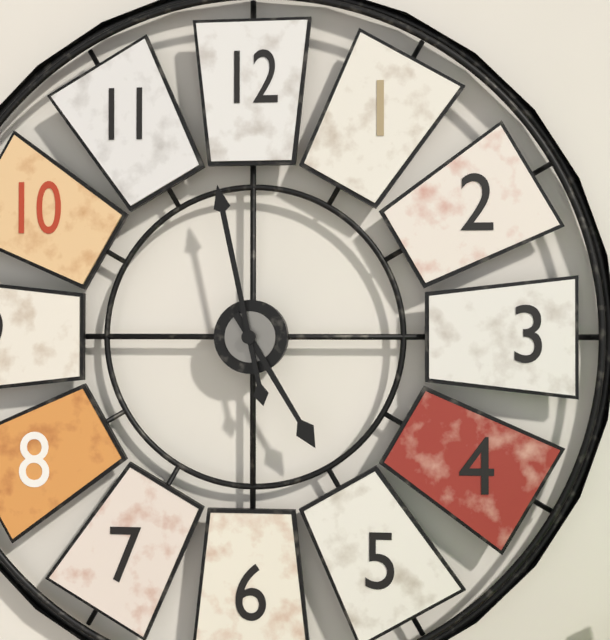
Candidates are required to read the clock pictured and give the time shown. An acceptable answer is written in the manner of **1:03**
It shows **4:58**
